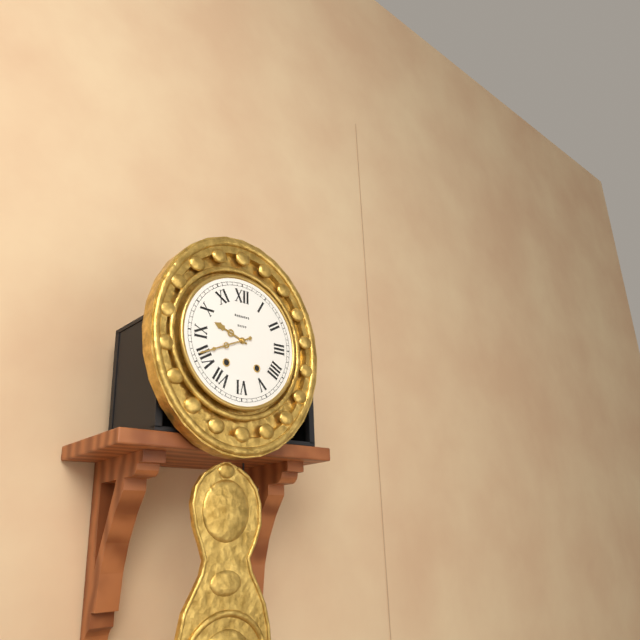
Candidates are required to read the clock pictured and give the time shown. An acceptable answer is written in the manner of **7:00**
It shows **9:41**
